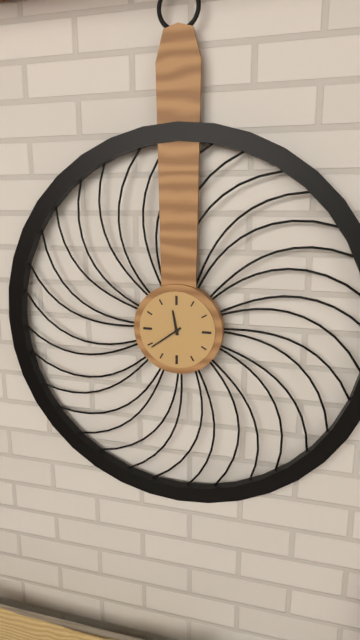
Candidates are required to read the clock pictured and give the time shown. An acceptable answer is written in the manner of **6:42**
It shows **11:39**
